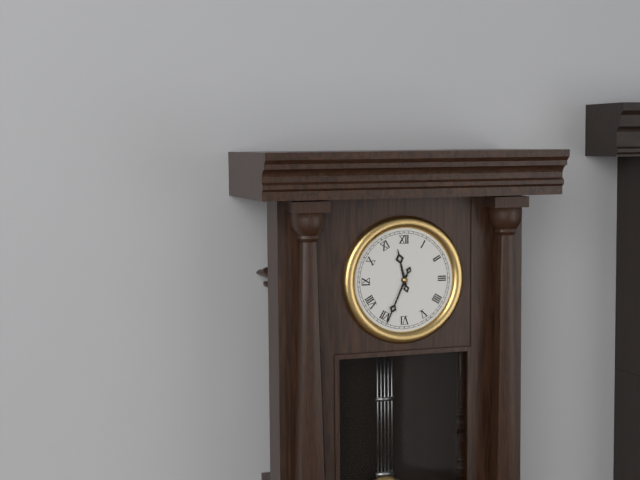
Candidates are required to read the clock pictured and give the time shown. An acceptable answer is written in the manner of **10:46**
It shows **11:34**
